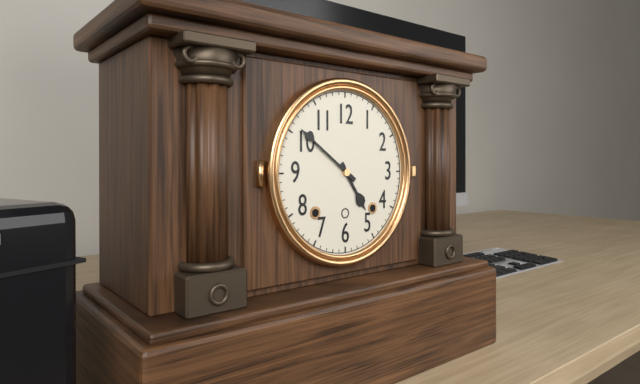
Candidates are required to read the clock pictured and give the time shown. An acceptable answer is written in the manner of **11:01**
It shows **4:51**
